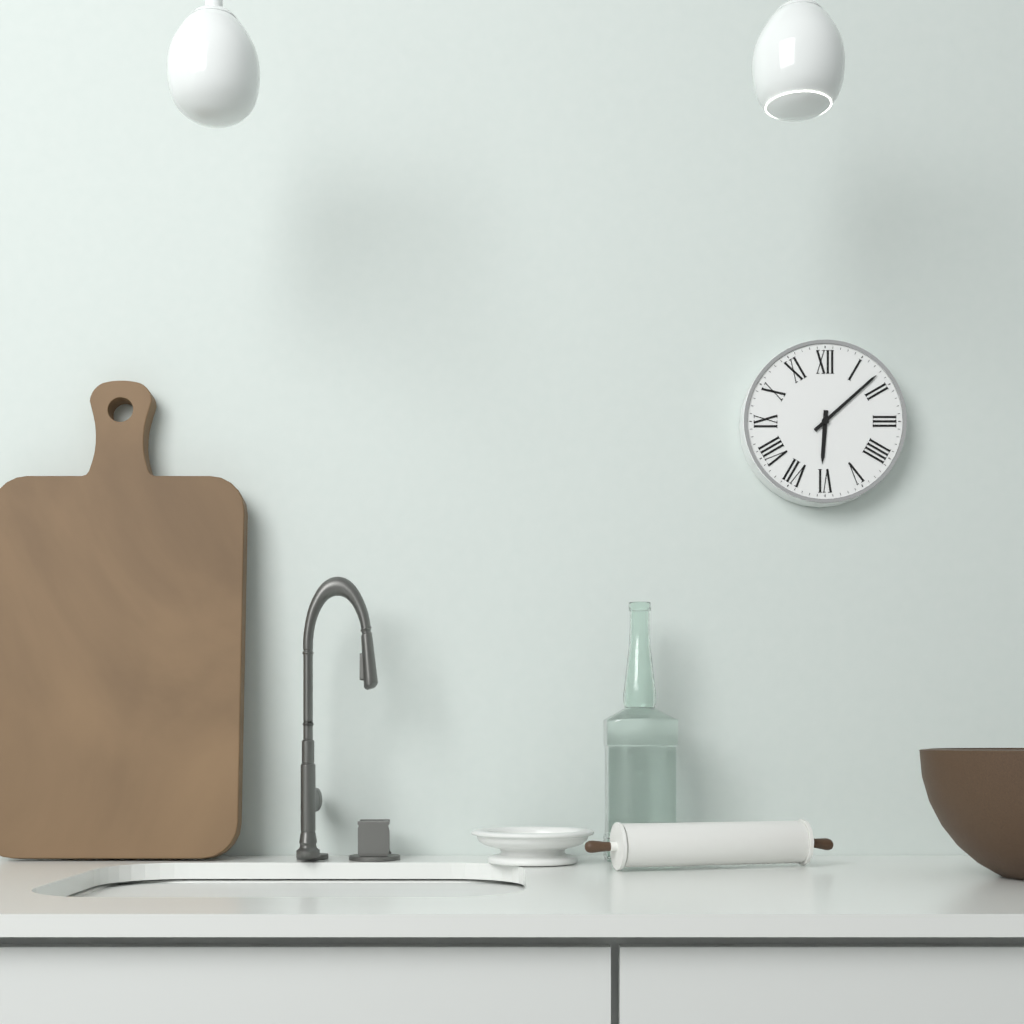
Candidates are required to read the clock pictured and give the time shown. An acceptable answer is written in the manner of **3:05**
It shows **6:08**
